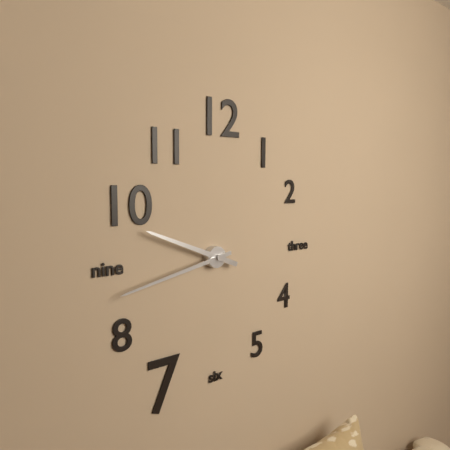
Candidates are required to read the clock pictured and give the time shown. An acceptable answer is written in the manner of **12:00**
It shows **9:43**
